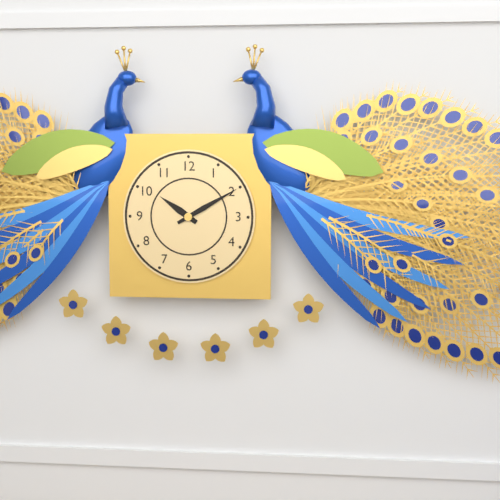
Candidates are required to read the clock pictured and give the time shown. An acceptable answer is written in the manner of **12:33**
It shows **10:10**
